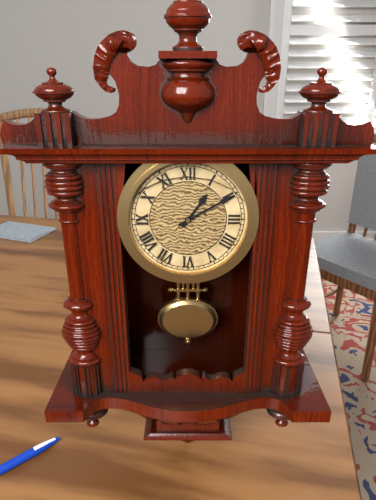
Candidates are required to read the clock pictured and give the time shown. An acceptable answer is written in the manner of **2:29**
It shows **1:10**
